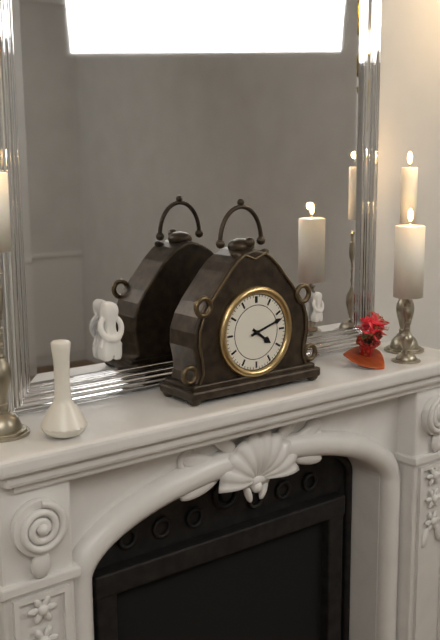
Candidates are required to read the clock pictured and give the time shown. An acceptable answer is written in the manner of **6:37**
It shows **4:12**
